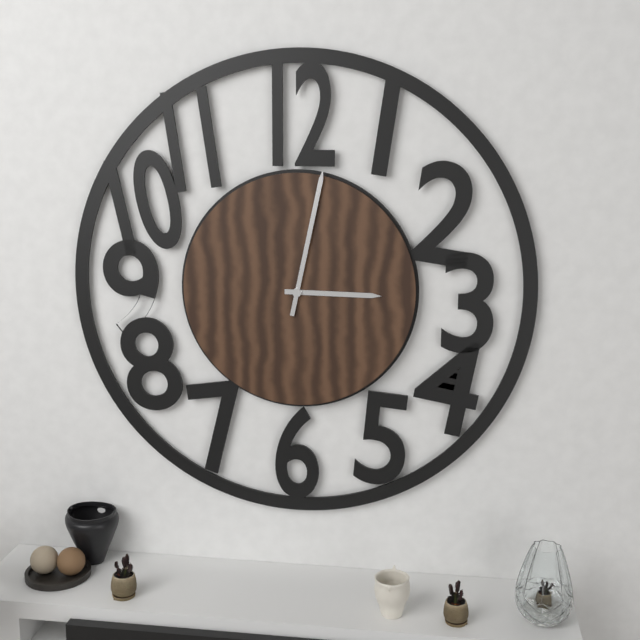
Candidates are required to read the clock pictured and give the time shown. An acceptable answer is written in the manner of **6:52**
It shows **3:02**
